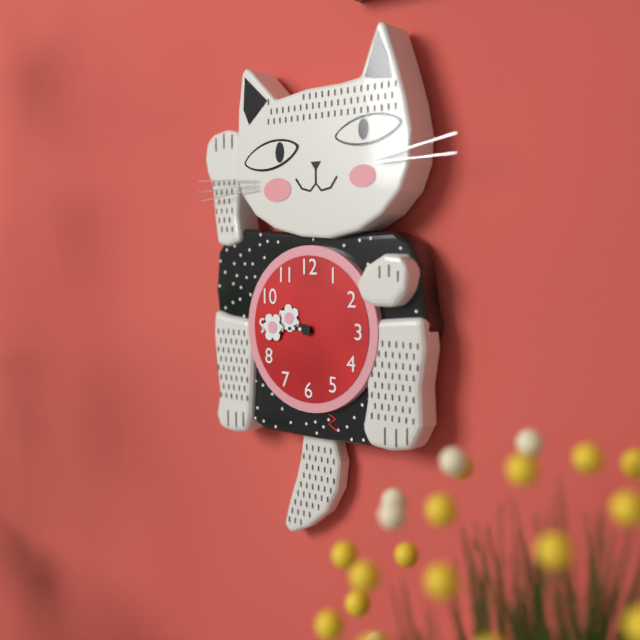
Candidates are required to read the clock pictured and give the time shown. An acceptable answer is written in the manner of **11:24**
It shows **9:45**
